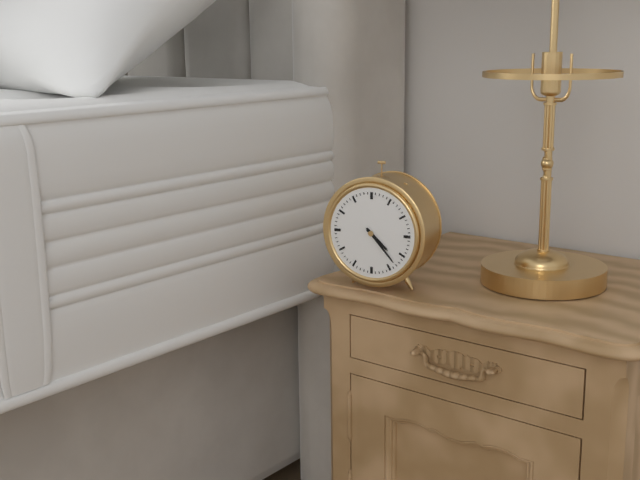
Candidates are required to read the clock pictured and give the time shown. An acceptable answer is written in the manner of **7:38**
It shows **4:23**
